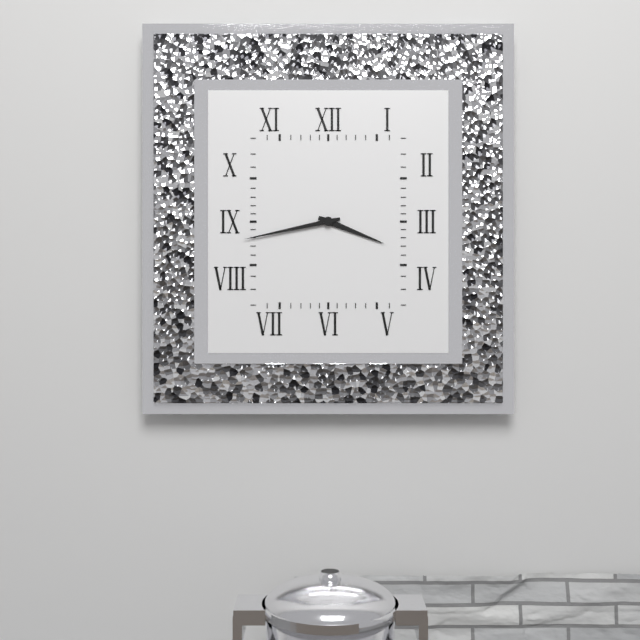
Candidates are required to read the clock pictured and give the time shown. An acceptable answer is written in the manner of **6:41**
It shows **3:43**
